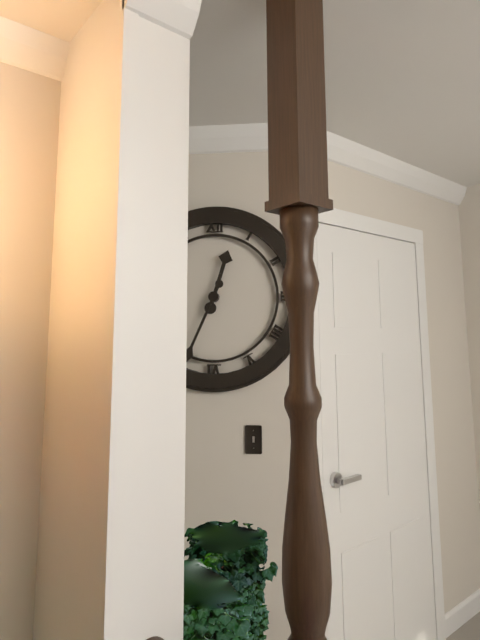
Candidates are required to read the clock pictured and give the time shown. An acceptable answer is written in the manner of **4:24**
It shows **12:34**
